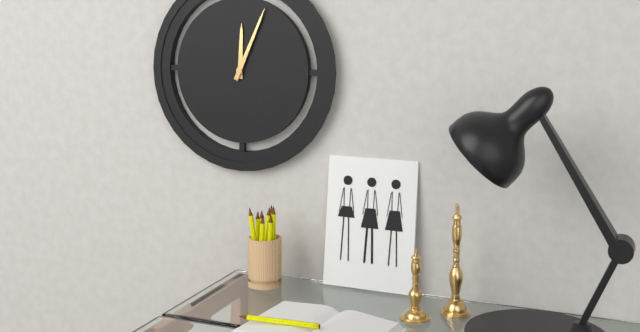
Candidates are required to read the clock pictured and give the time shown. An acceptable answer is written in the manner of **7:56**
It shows **12:04**
